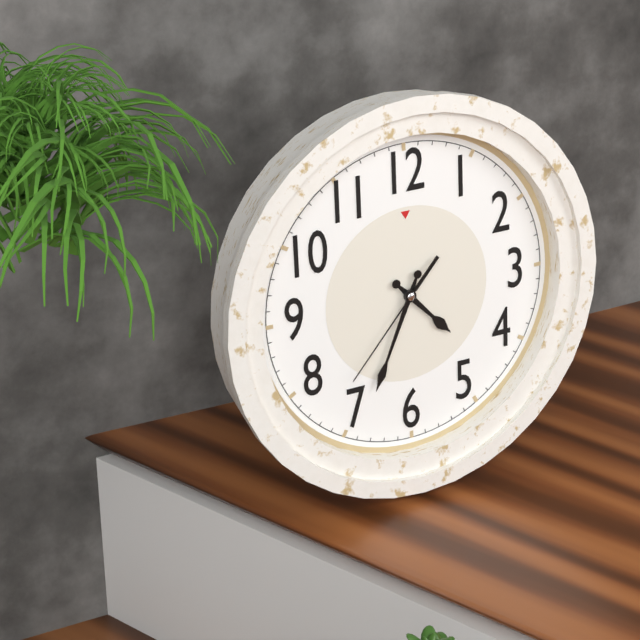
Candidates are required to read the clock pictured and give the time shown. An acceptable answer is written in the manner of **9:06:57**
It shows **4:34:37**
